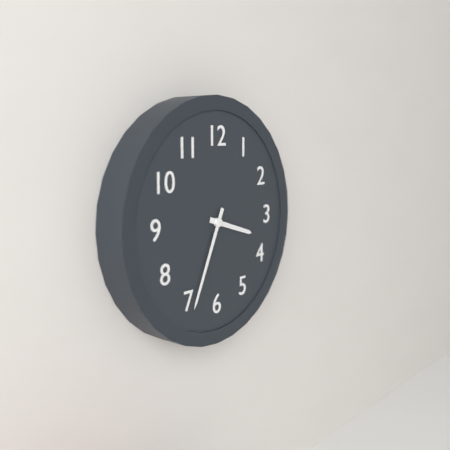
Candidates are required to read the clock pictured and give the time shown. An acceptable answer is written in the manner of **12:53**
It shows **3:34**
